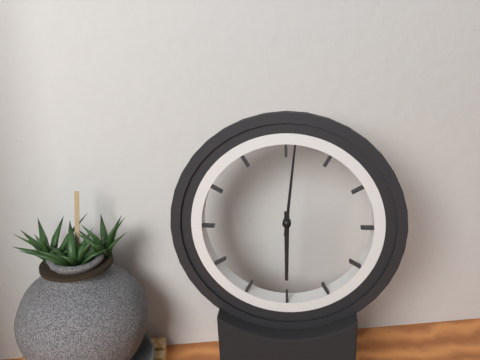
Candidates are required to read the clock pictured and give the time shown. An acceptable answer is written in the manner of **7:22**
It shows **6:01**
